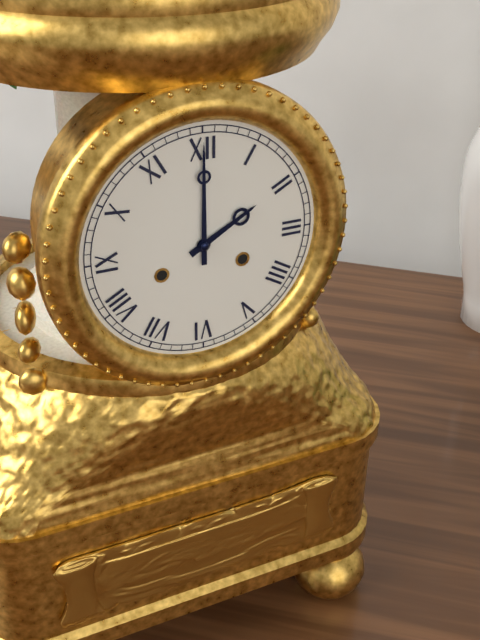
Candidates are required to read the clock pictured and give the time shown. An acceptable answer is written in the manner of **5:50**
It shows **2:00**
